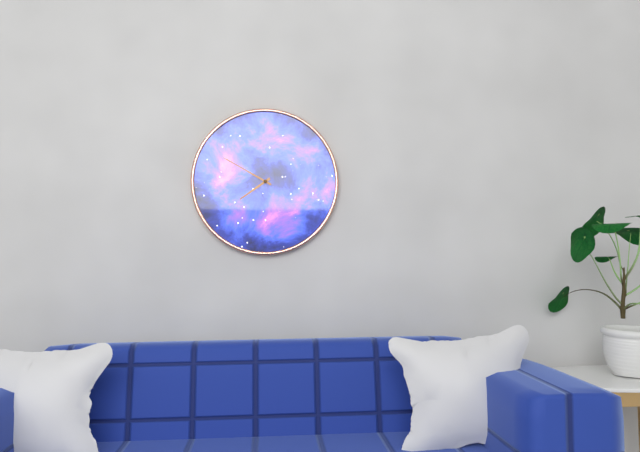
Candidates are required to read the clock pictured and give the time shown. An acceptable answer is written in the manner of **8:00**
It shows **7:50**
